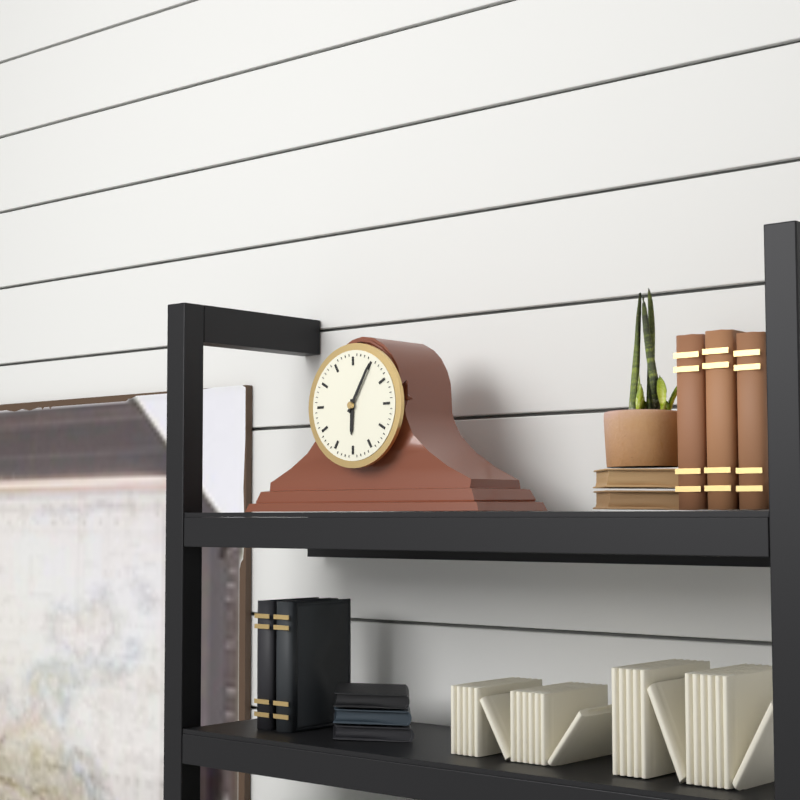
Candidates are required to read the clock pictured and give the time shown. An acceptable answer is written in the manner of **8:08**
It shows **6:05**
